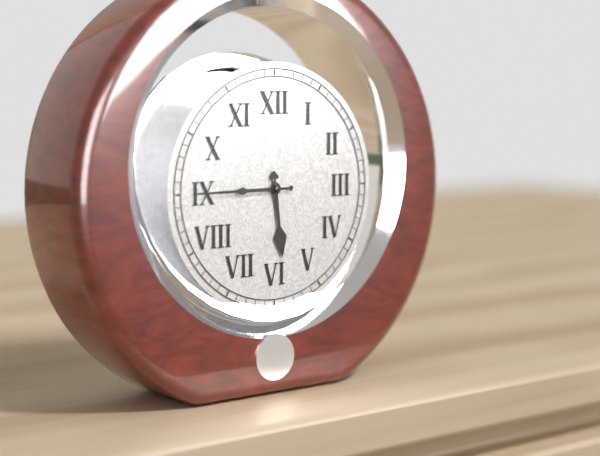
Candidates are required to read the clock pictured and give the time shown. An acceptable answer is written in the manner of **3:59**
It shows **5:45**
